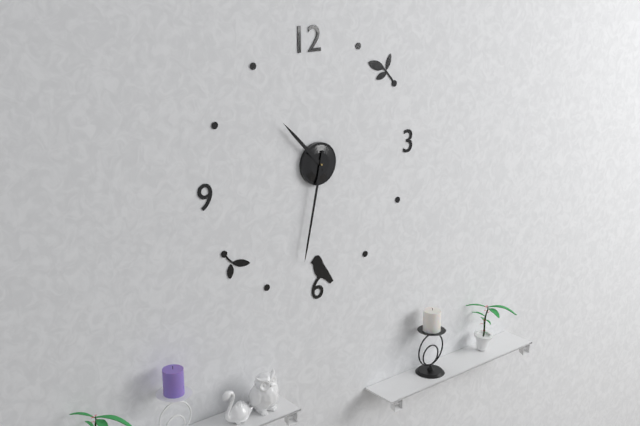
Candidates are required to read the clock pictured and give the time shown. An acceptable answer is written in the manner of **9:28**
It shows **10:32**
